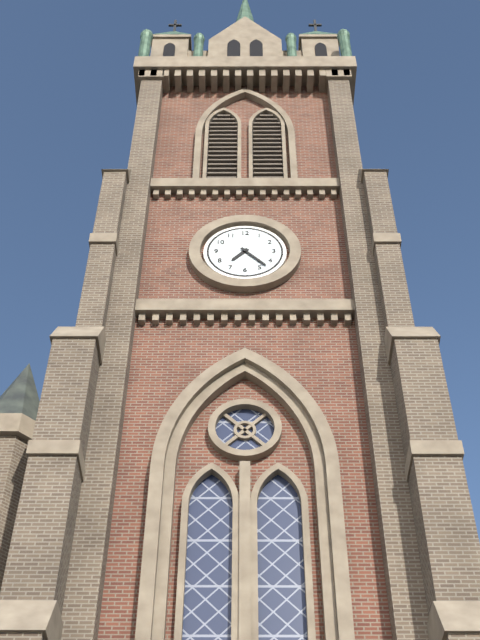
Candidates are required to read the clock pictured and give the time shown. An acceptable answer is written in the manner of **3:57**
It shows **7:23**
